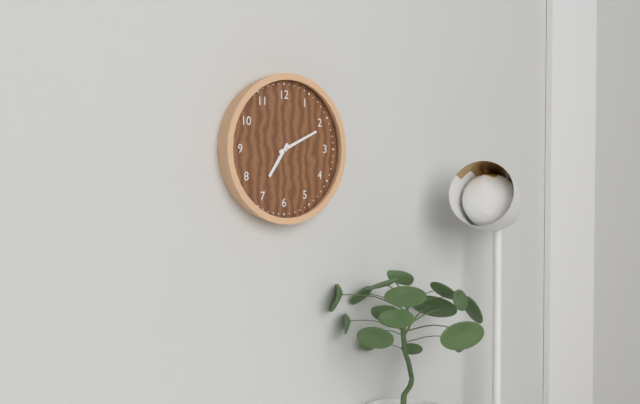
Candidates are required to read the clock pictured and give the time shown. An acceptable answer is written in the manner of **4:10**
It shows **7:11**
